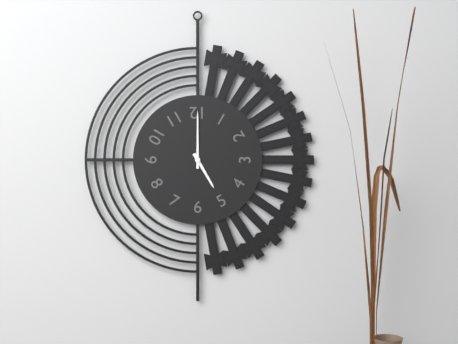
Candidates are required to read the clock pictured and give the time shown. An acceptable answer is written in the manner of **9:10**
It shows **5:00**
